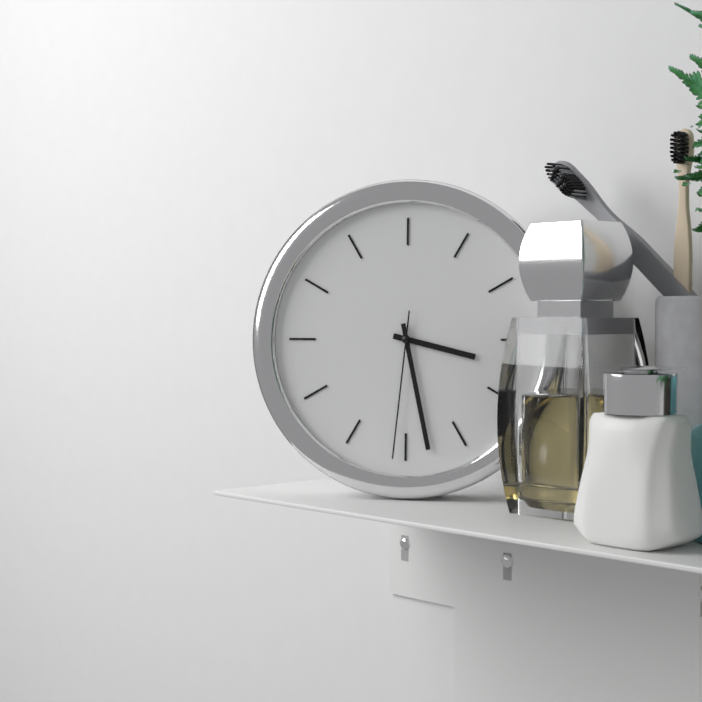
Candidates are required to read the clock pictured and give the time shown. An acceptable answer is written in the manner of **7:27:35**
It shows **3:28:31**
